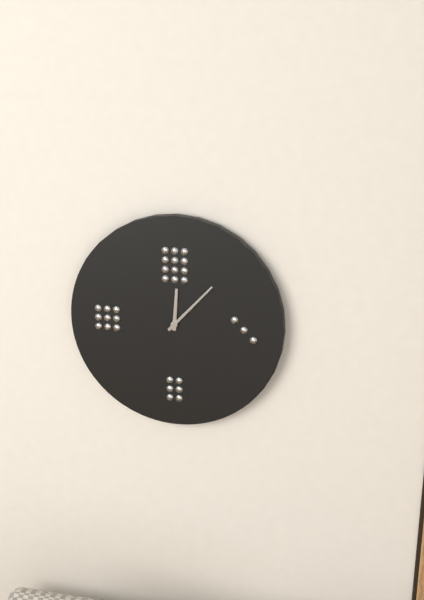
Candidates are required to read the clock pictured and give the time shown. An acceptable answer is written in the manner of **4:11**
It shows **12:07**
